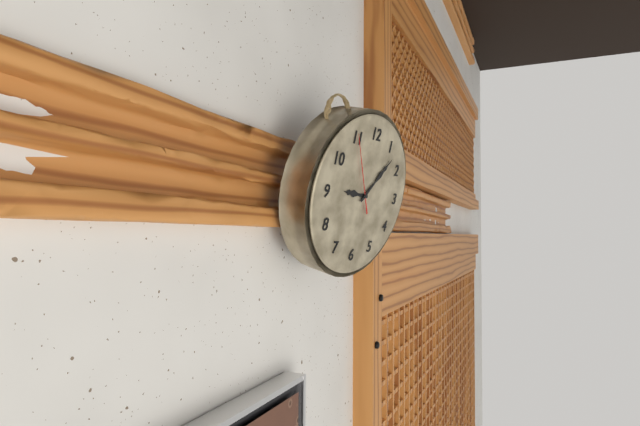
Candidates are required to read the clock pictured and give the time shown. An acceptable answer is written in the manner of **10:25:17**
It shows **9:07:55**
